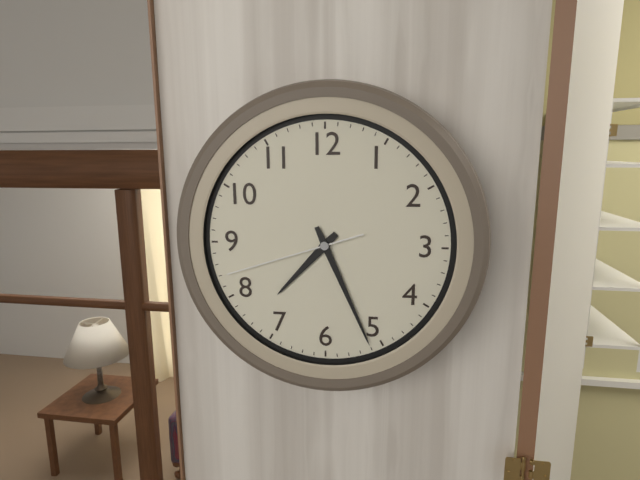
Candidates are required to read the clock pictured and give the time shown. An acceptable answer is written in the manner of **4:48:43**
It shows **7:26:42**
